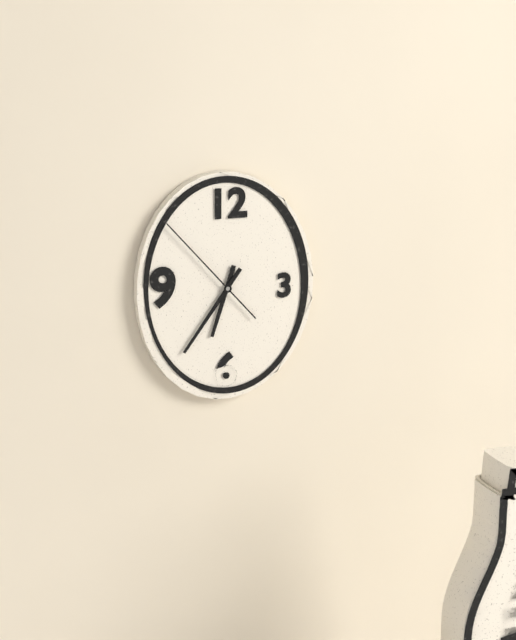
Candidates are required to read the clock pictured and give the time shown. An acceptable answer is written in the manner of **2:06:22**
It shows **6:36:53**
